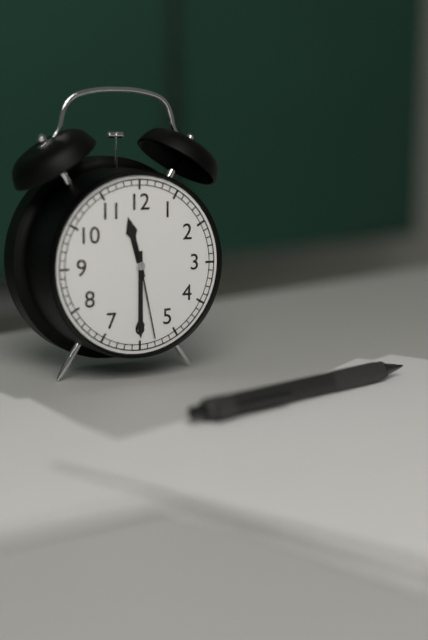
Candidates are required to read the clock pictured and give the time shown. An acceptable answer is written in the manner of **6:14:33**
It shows **11:30:28**
